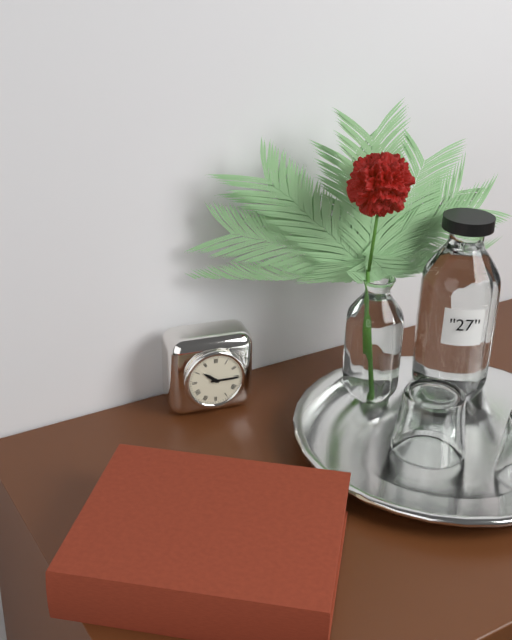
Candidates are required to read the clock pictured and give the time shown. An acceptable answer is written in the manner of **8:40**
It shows **10:15**
